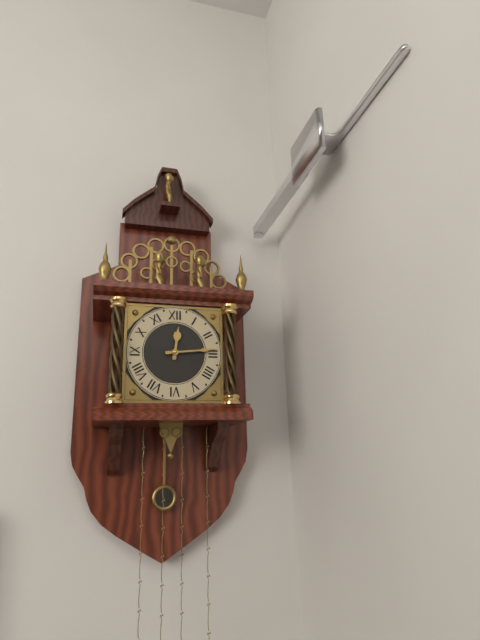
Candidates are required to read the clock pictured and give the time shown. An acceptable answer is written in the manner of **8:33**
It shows **12:14**
